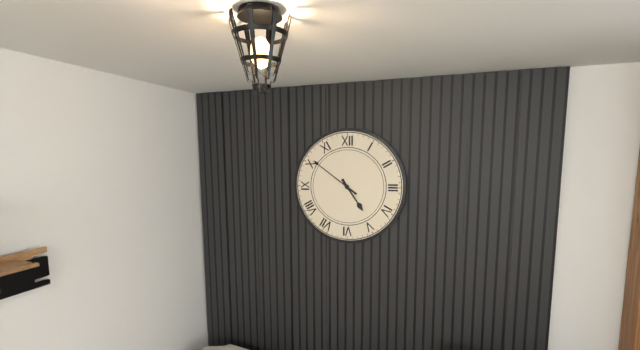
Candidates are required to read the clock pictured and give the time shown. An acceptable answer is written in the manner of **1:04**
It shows **4:51**
